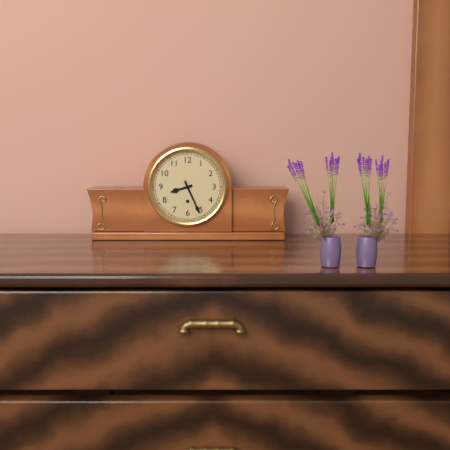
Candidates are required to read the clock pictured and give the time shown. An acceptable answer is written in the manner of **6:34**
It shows **8:26**
